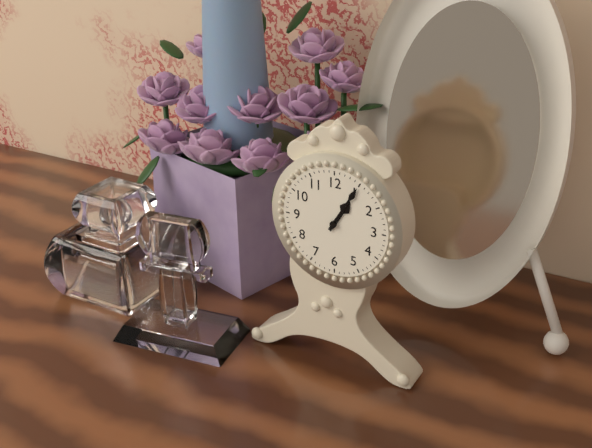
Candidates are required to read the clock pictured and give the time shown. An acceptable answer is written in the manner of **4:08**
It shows **1:05**
